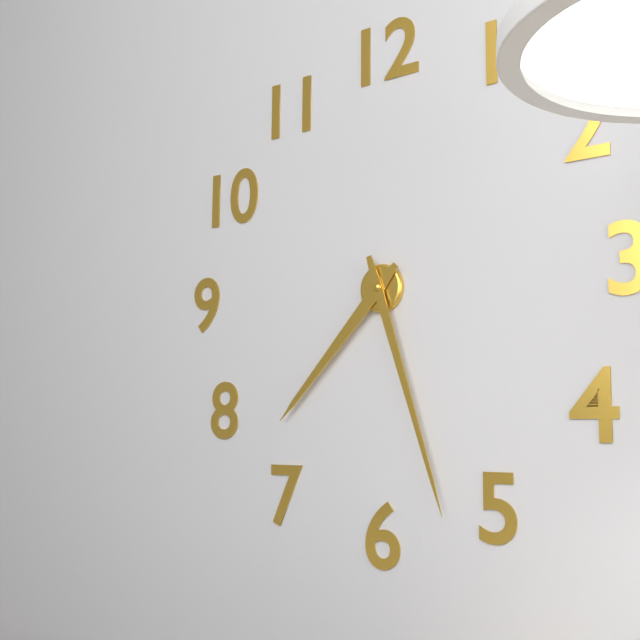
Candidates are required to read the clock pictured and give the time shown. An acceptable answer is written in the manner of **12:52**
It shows **7:27**
